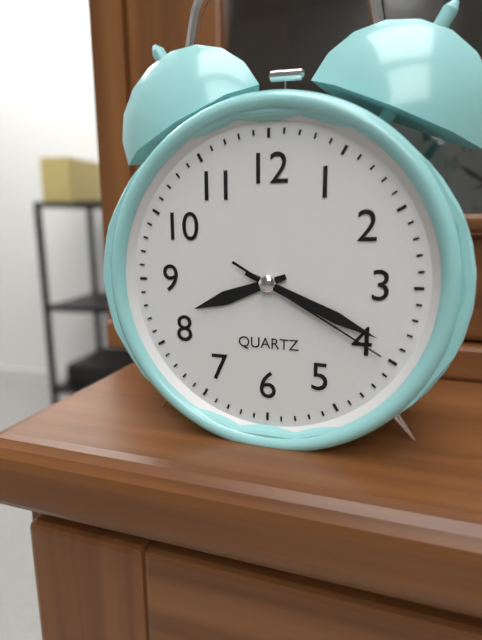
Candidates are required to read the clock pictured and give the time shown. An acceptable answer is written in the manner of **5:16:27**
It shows **8:19:20**
